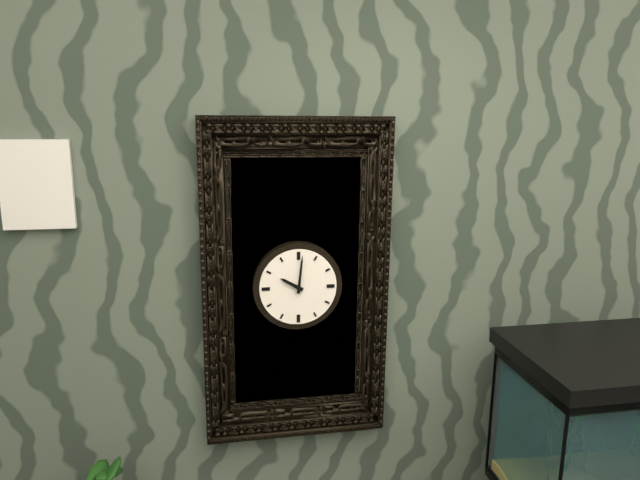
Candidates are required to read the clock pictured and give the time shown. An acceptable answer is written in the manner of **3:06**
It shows **10:01**
